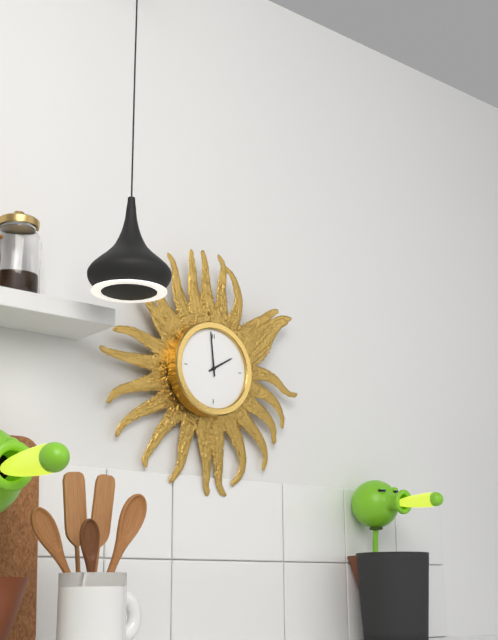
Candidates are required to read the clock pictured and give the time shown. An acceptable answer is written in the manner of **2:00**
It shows **1:59**
